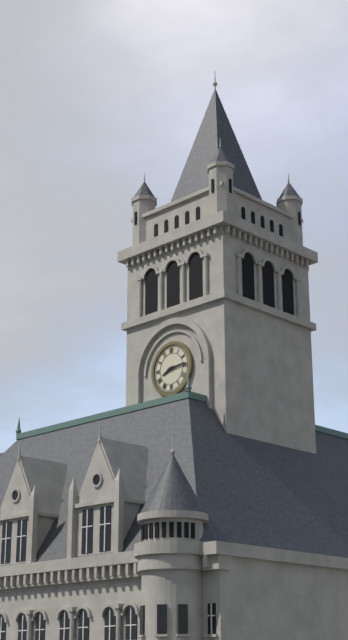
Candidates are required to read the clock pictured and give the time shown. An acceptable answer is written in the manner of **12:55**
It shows **8:14**
